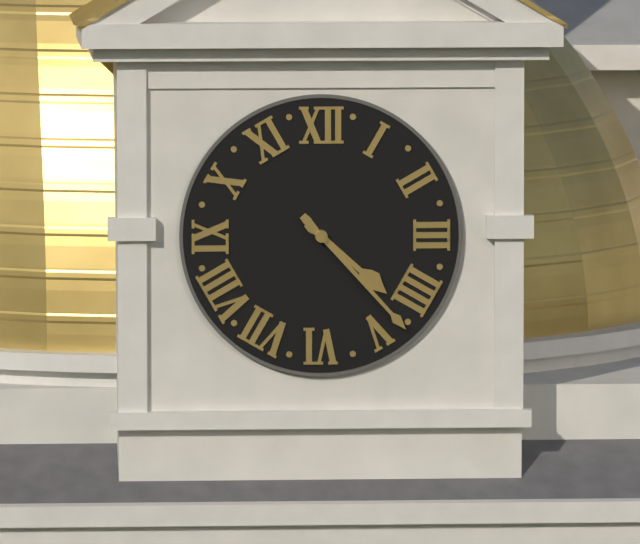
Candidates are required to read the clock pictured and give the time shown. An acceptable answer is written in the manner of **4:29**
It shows **4:23**
